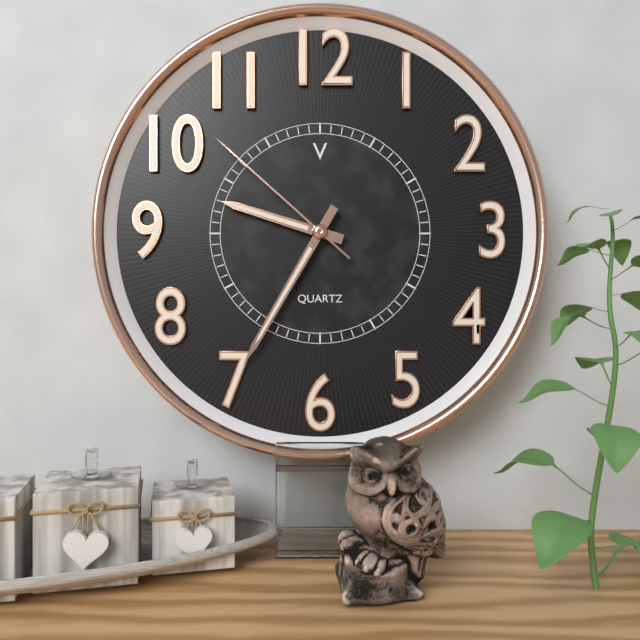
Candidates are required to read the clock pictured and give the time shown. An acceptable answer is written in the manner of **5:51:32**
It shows **9:35:52**
